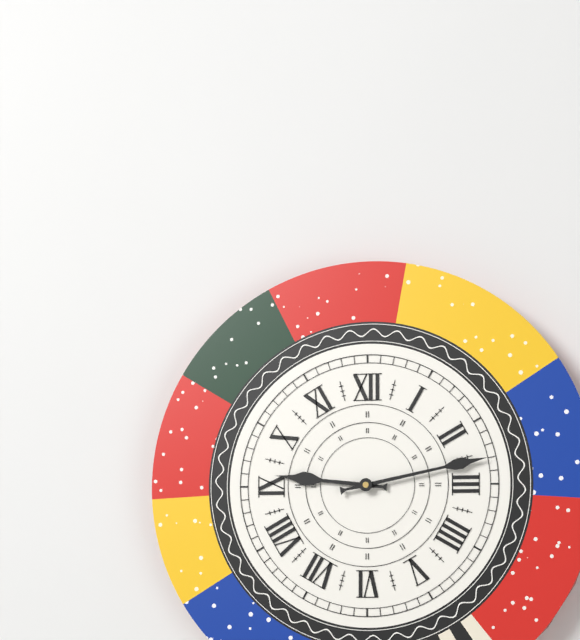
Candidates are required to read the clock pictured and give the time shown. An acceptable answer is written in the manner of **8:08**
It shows **9:13**
